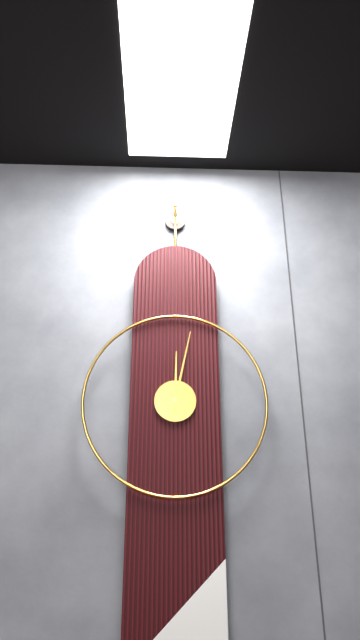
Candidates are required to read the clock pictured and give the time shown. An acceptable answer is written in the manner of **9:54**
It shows **12:02**
